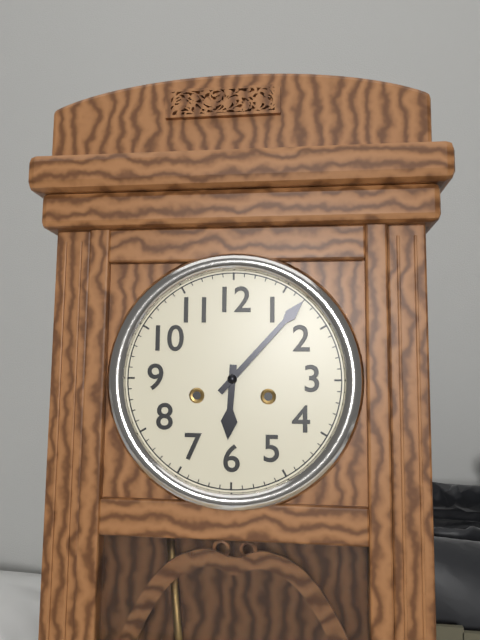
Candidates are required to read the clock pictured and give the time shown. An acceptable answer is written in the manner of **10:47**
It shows **6:07**
